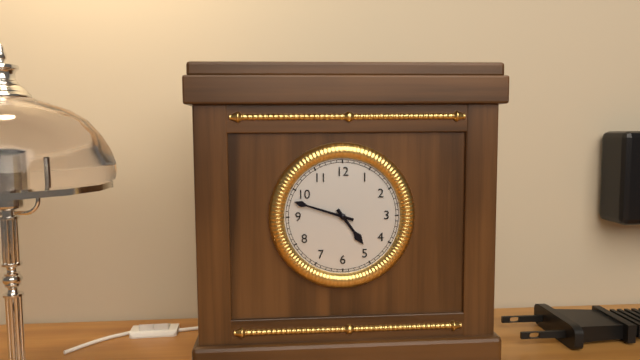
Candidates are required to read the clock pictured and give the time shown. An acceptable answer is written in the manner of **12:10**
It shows **4:48**
